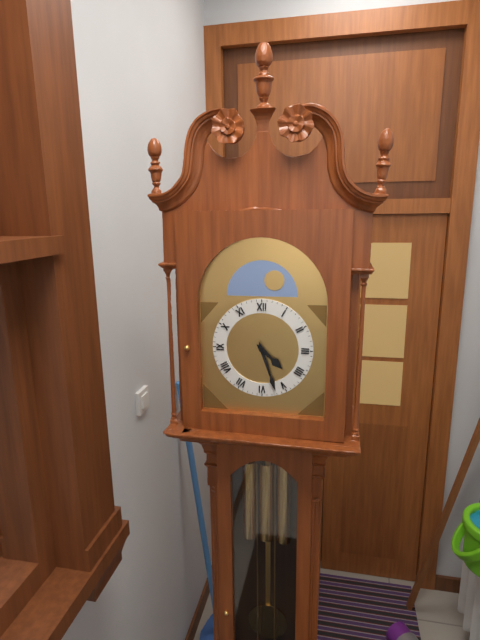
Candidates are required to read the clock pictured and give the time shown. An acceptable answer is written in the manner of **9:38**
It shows **4:27**
